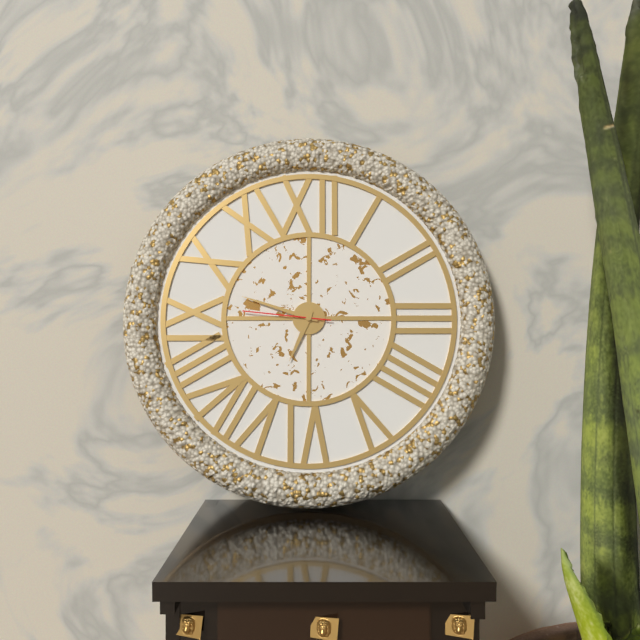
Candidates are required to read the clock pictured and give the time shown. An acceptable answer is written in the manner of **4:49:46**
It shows **6:48:46**
